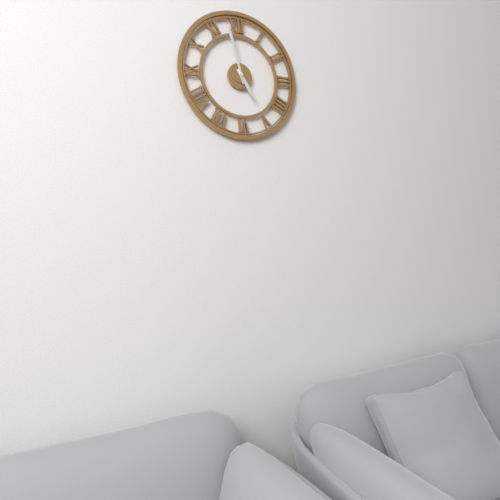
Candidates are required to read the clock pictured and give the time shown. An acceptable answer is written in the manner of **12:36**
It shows **4:58**
